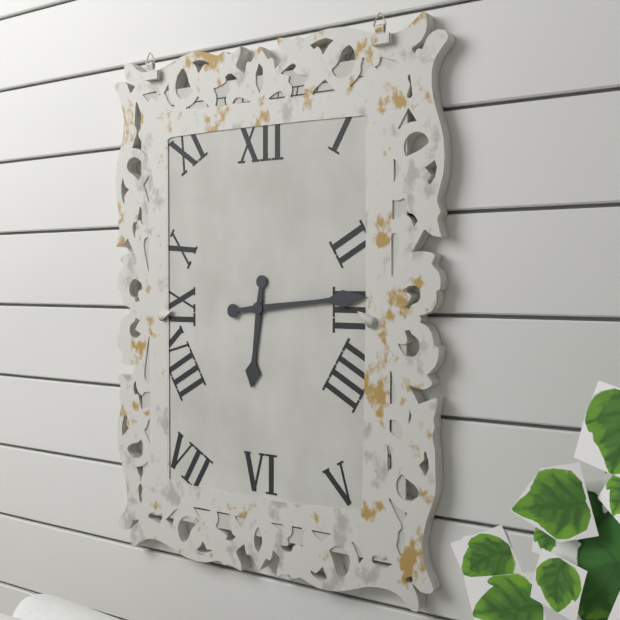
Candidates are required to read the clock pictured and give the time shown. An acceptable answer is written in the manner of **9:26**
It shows **6:14**
